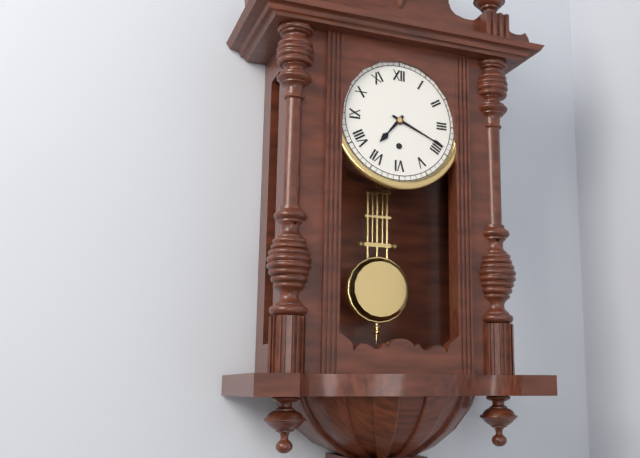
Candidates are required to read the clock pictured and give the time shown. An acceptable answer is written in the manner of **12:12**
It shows **7:19**
